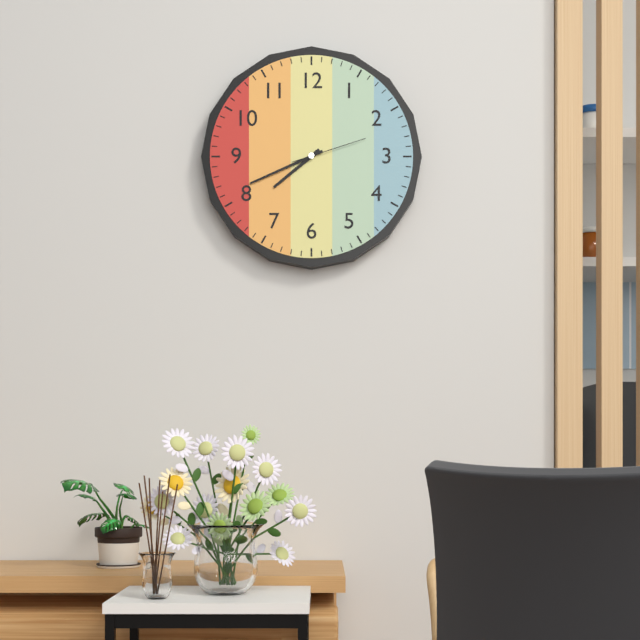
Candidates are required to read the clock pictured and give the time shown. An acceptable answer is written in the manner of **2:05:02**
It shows **7:41:12**
